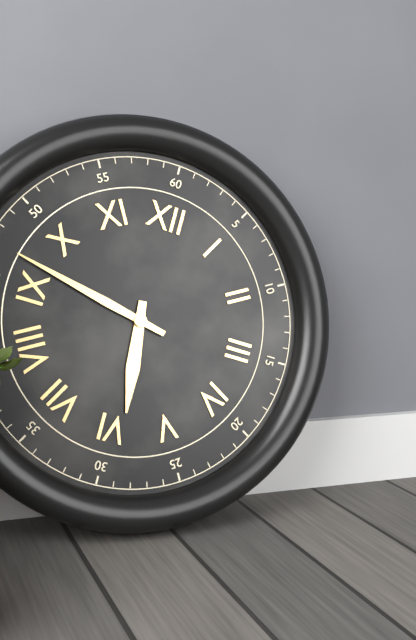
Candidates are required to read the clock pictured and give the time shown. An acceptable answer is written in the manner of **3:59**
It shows **5:47**
